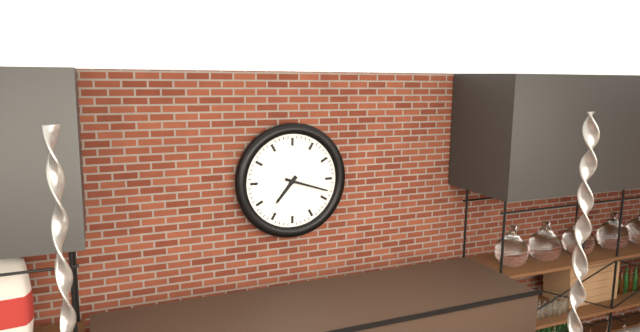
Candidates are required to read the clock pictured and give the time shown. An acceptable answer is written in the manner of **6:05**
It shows **7:18**
